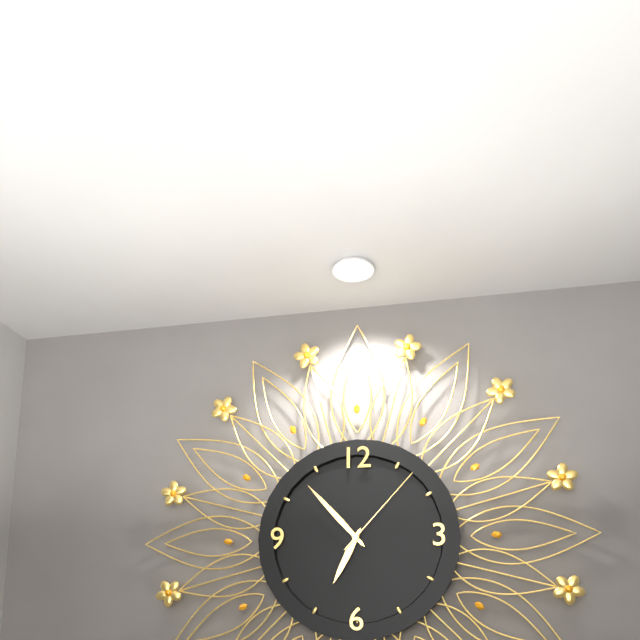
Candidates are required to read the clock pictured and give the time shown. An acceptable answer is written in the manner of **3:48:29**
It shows **6:53:07**
